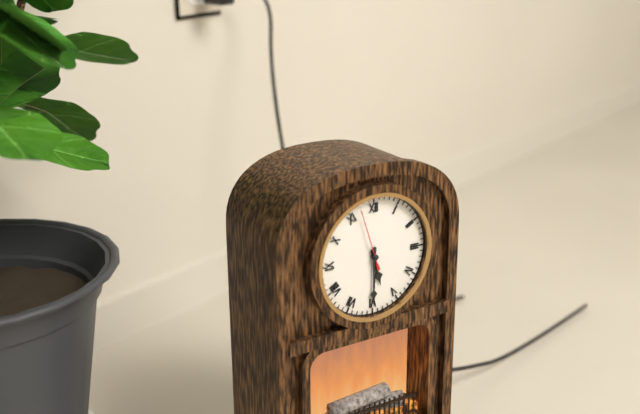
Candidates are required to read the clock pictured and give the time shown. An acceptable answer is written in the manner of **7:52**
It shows **5:30**
